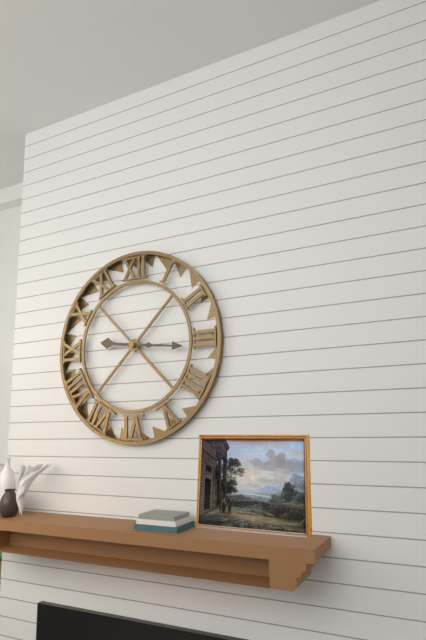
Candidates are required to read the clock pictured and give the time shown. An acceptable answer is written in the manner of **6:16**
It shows **9:16**
